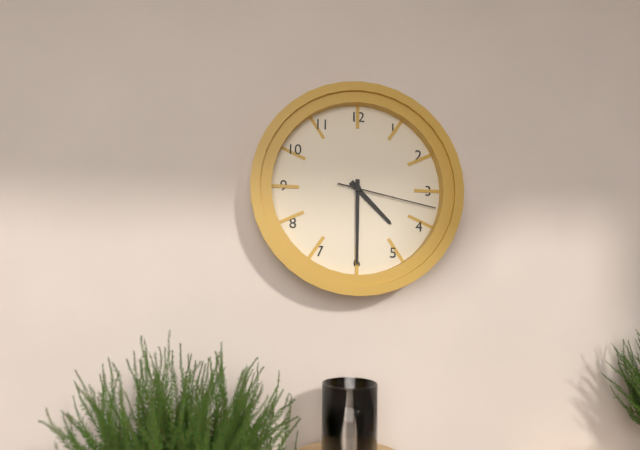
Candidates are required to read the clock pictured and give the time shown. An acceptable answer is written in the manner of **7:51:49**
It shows **4:30:17**
